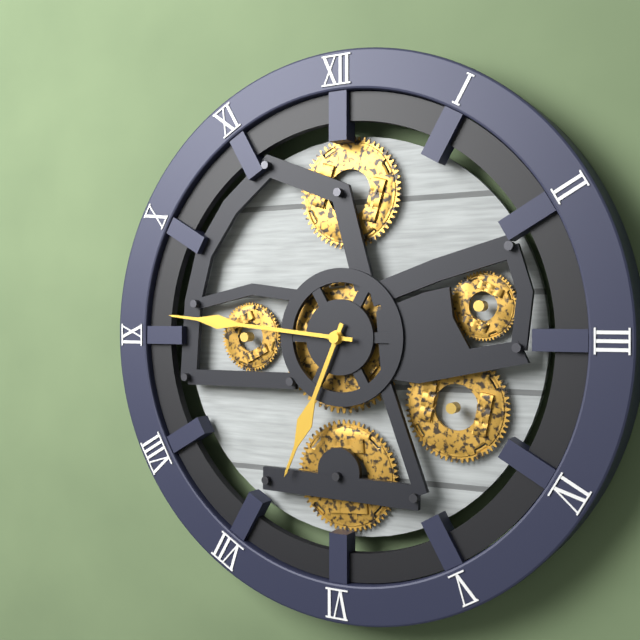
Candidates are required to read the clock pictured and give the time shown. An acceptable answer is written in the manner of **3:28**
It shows **6:46**
